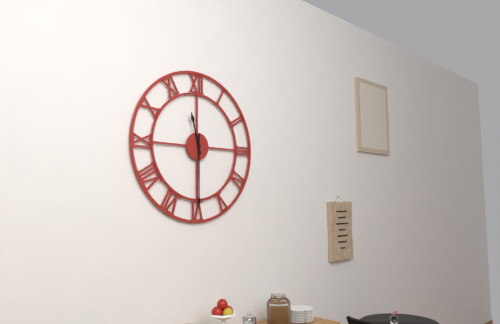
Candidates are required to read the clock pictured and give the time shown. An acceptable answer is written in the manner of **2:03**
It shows **11:30**
